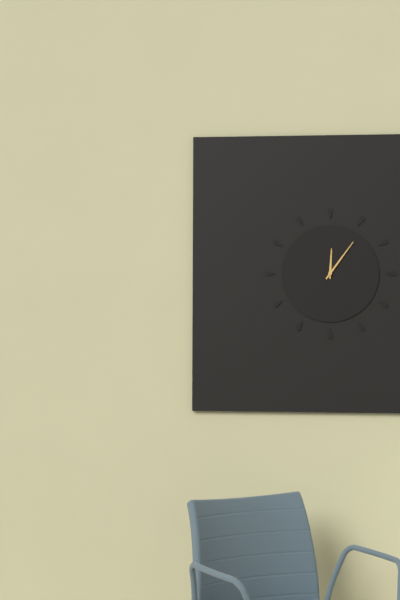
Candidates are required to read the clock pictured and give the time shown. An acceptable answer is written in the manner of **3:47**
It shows **12:06**
